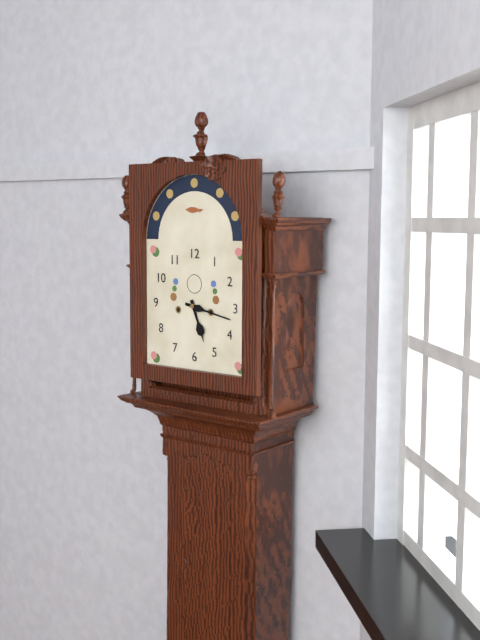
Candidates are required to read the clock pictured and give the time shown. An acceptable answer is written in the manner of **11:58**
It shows **5:17**
